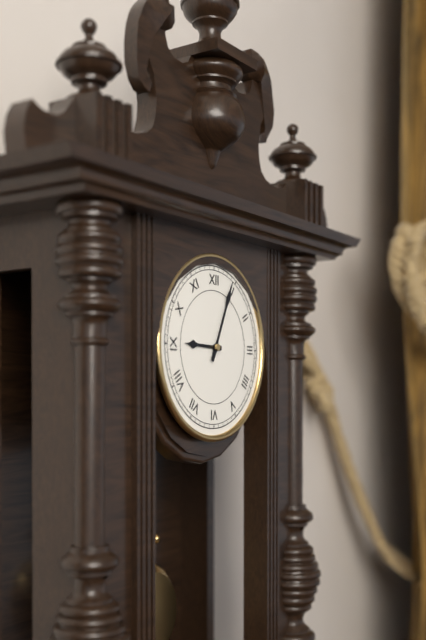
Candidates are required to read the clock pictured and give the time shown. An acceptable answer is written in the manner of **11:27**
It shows **9:04**
